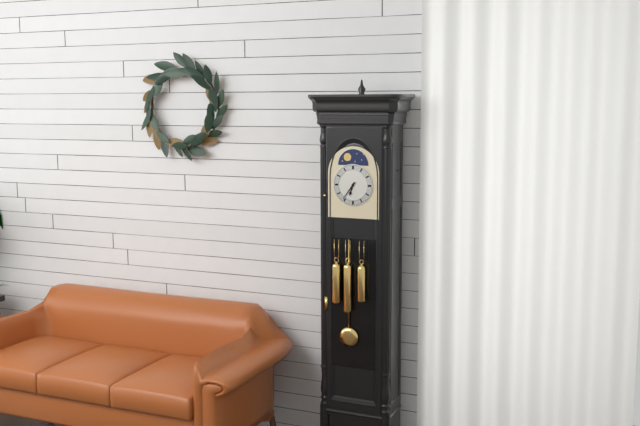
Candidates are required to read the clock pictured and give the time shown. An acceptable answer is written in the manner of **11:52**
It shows **6:36**
